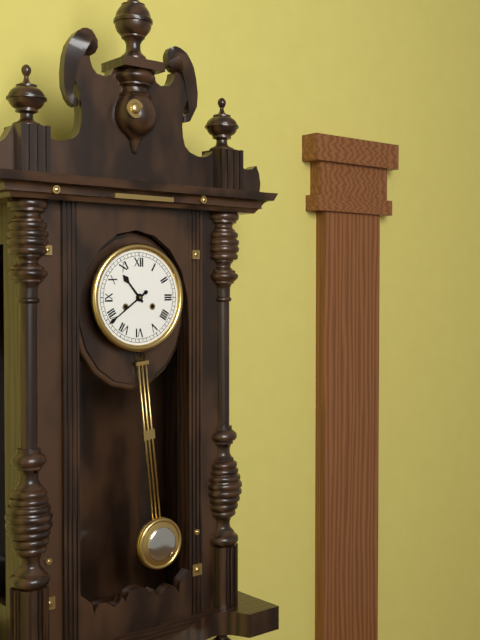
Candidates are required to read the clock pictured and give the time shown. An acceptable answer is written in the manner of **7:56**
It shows **10:39**
